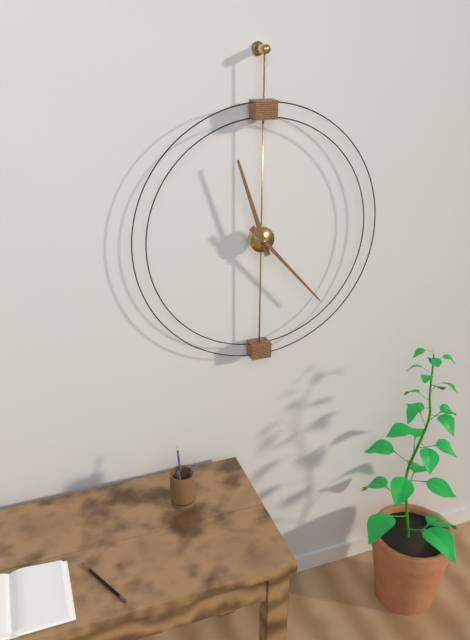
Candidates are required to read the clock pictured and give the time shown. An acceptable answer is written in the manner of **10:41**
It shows **11:23**
